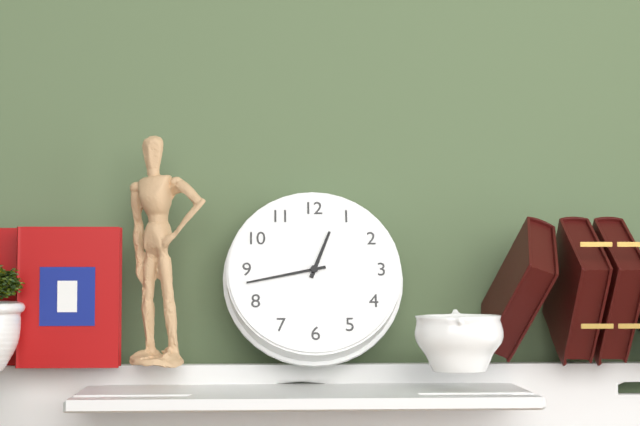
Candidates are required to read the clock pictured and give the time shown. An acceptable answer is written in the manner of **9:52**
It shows **12:43**
